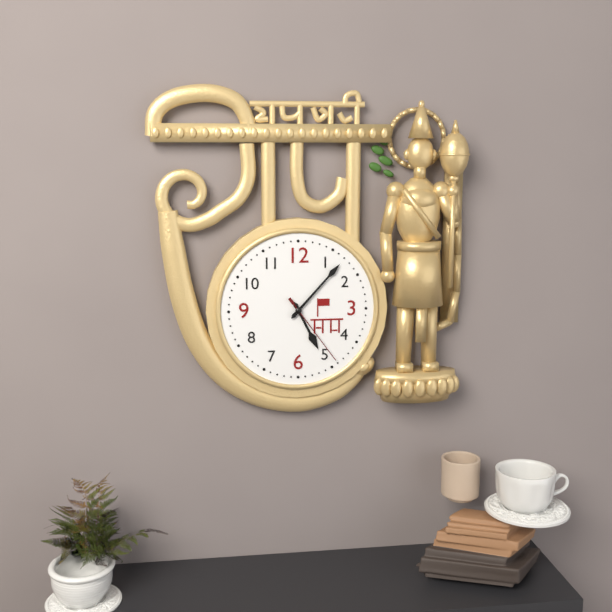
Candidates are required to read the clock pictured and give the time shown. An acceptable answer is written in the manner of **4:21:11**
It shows **5:07:24**
